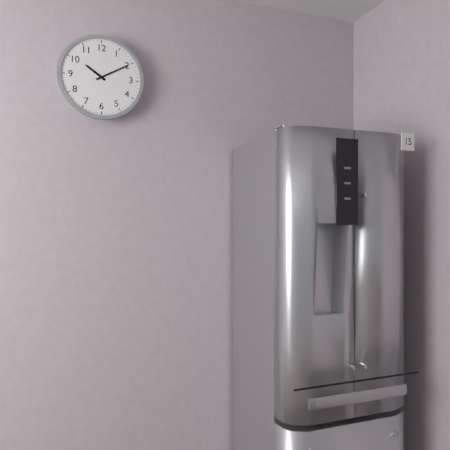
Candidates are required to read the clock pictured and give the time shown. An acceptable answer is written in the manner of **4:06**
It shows **10:10**
